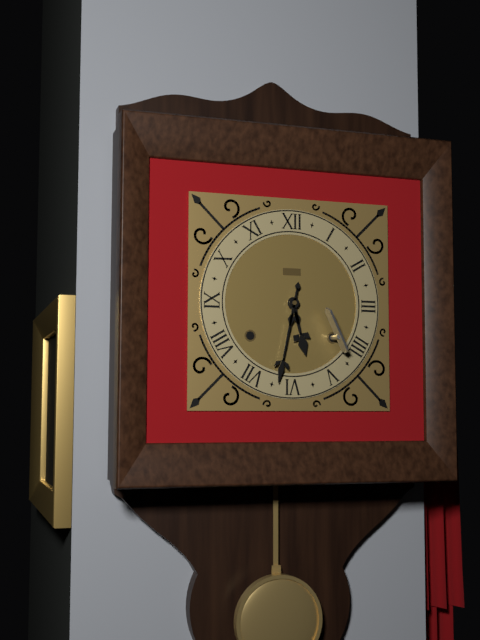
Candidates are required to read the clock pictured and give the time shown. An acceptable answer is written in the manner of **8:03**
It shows **5:32**
